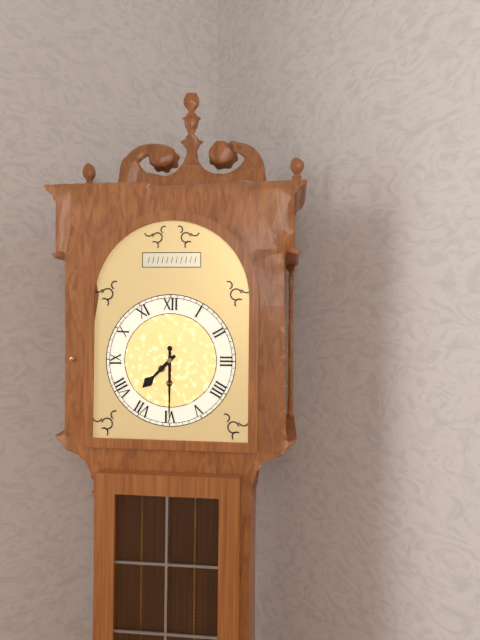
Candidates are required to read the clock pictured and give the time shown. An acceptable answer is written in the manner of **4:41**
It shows **7:30**
